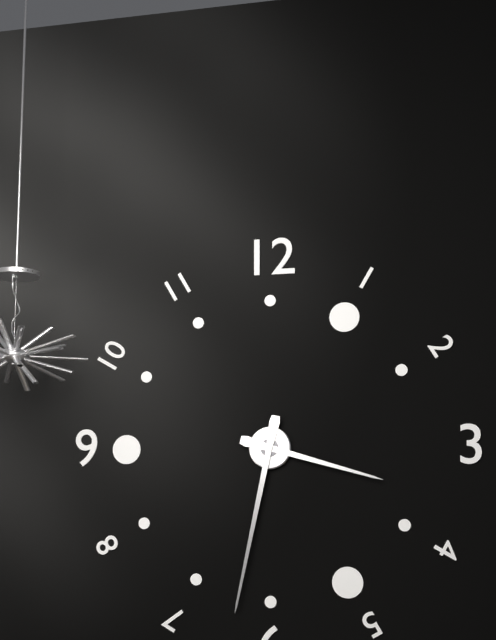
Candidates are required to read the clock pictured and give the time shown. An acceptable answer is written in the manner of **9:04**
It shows **3:32**
